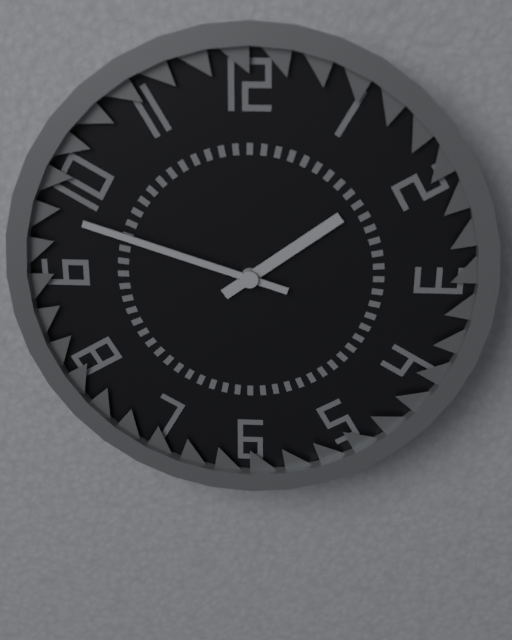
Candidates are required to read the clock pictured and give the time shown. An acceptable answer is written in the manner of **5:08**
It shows **1:48**
